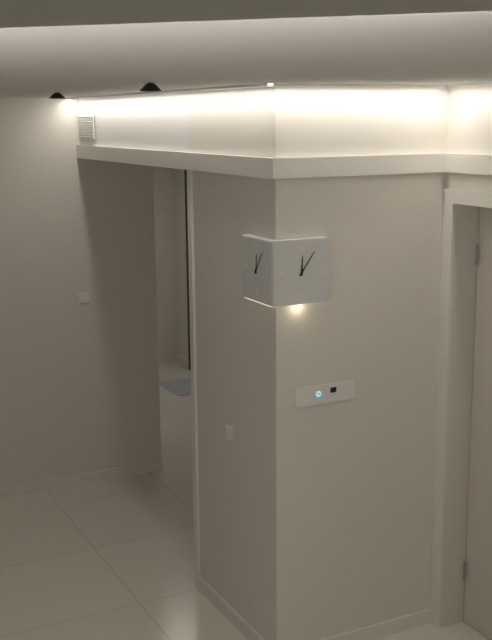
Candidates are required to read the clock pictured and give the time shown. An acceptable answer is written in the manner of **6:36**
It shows **12:06**
